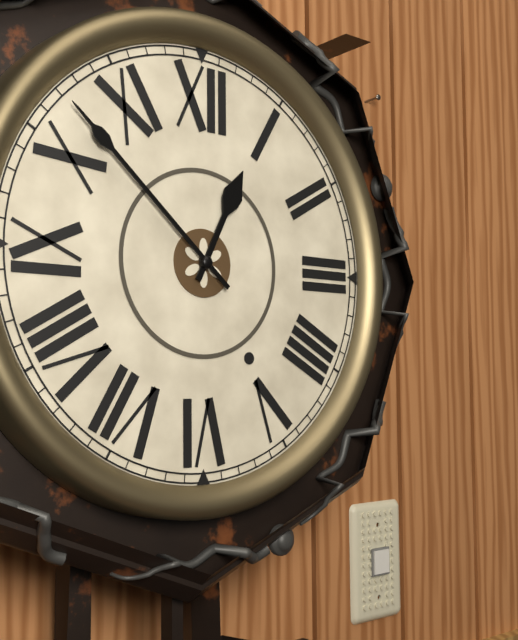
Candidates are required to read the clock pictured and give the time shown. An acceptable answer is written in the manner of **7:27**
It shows **12:52**
